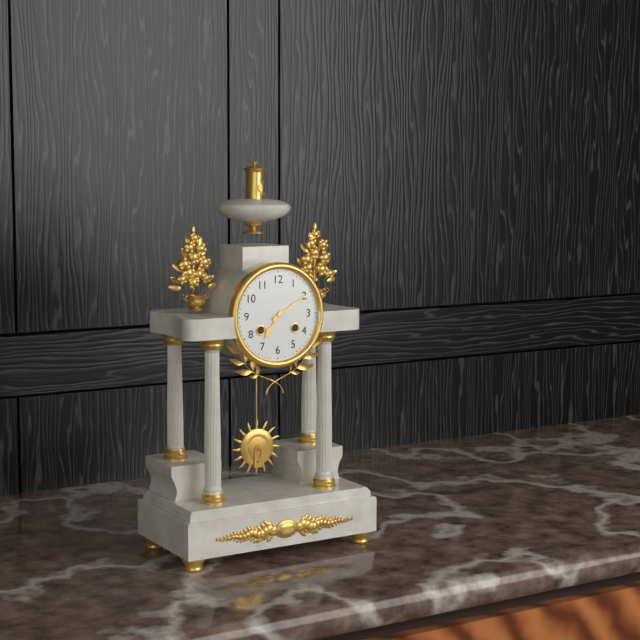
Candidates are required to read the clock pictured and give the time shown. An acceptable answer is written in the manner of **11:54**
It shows **7:10**
